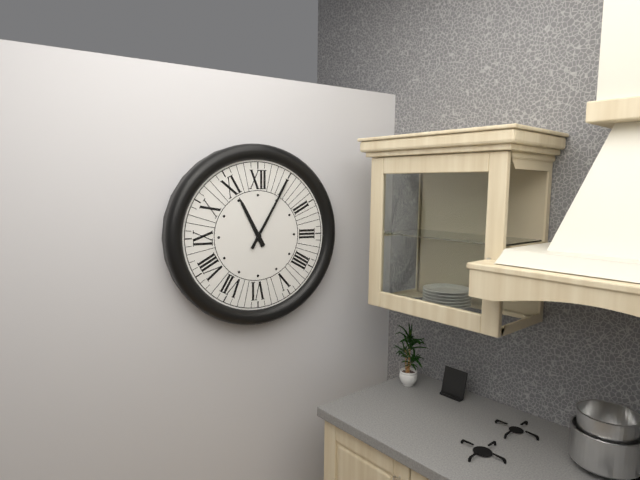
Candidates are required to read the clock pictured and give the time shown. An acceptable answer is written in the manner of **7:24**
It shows **11:05**
